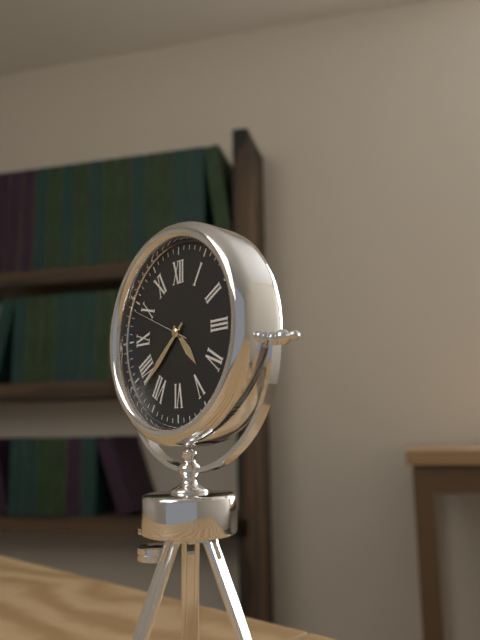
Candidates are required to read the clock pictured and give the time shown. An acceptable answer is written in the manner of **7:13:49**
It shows **4:38:49**
